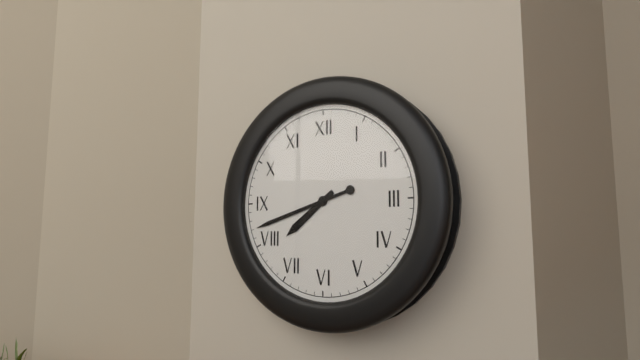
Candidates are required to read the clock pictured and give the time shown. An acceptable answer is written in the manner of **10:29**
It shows **7:42**
